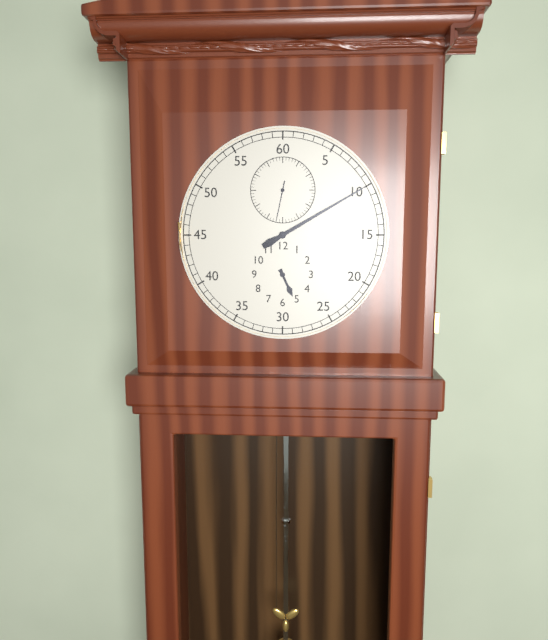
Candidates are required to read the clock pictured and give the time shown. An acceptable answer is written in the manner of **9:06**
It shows **5:10**
